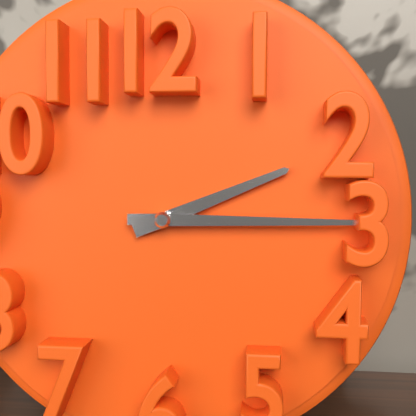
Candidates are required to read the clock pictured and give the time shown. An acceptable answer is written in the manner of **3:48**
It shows **2:15**
